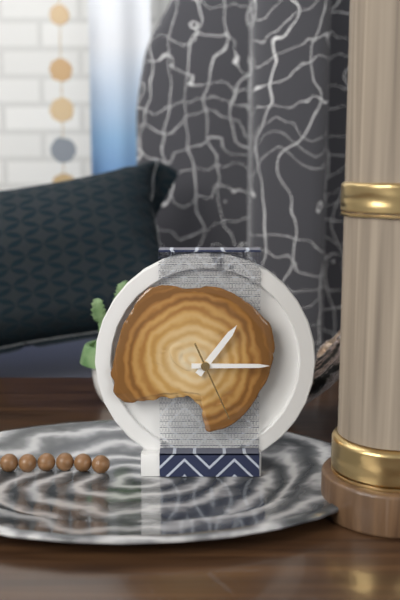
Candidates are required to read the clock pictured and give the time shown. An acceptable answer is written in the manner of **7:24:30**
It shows **1:15:26**
